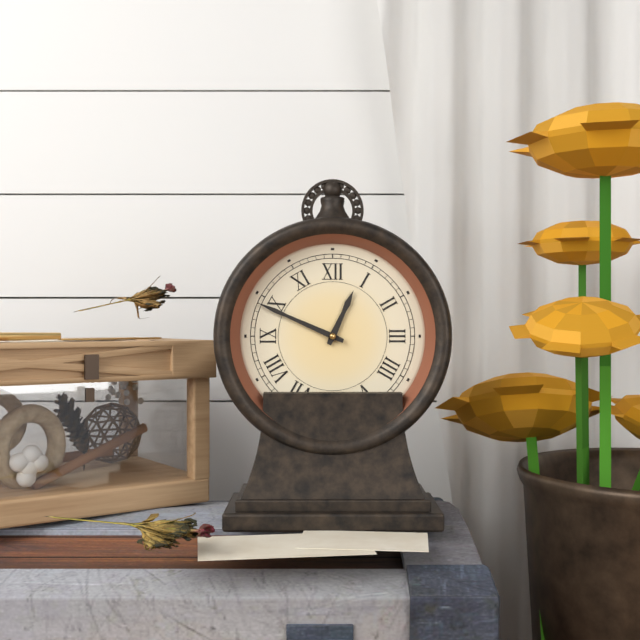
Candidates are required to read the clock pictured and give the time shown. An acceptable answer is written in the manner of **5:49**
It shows **12:49**
